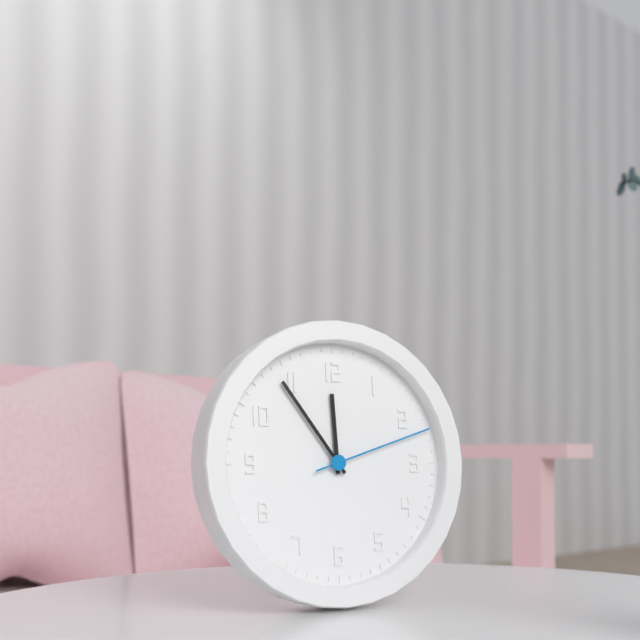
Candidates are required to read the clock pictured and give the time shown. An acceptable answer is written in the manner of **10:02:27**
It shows **11:54:12**
